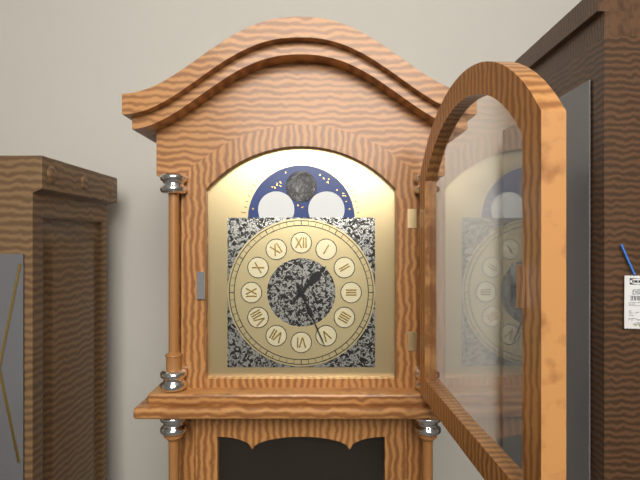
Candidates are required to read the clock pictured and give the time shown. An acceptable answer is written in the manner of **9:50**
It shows **1:26**
